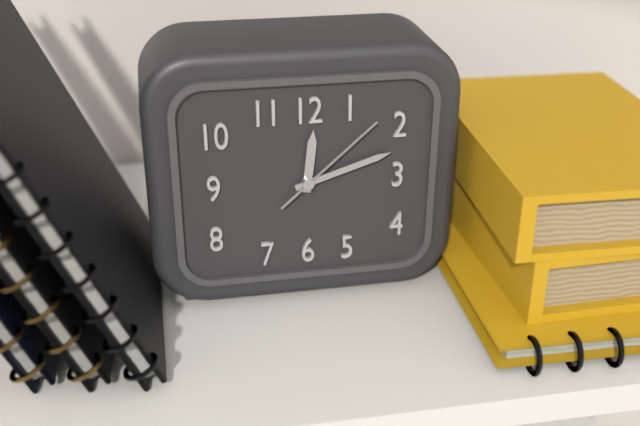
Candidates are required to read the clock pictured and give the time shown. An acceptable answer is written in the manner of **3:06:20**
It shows **12:12:08**
